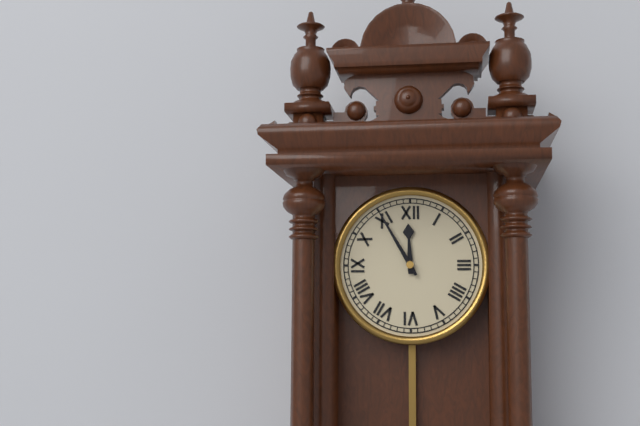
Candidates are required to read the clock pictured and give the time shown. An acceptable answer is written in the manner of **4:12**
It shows **11:55**
